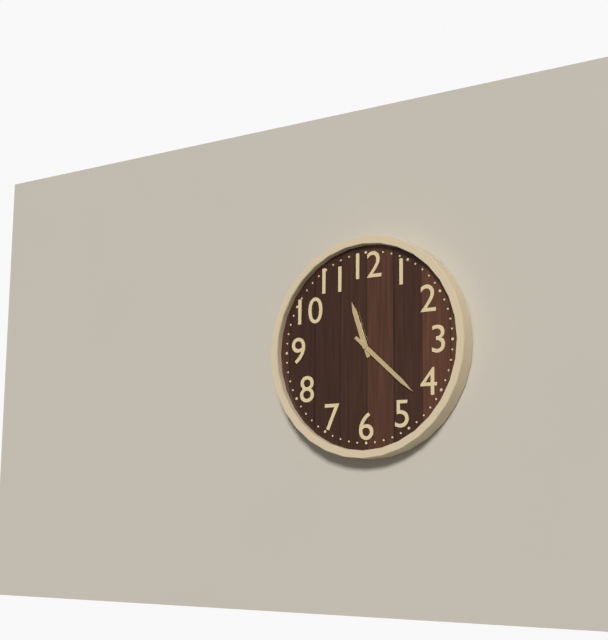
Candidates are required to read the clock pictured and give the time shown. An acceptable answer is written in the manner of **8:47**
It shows **11:22**
